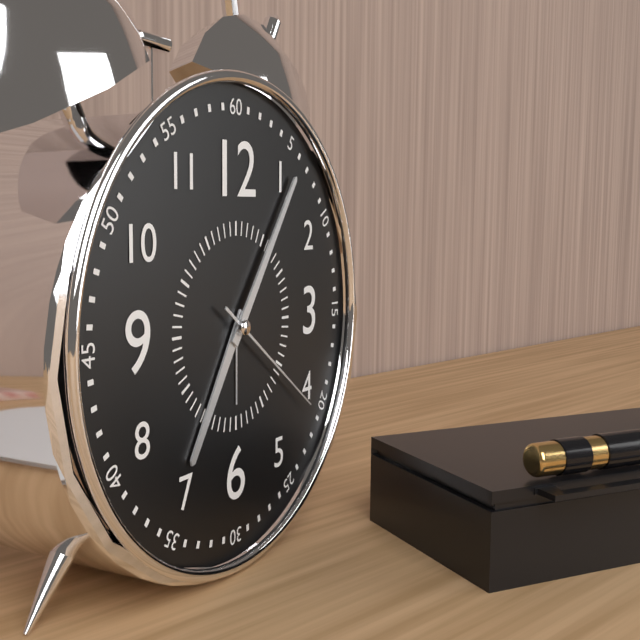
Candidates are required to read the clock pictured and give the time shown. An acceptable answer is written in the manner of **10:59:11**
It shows **7:06:21**
